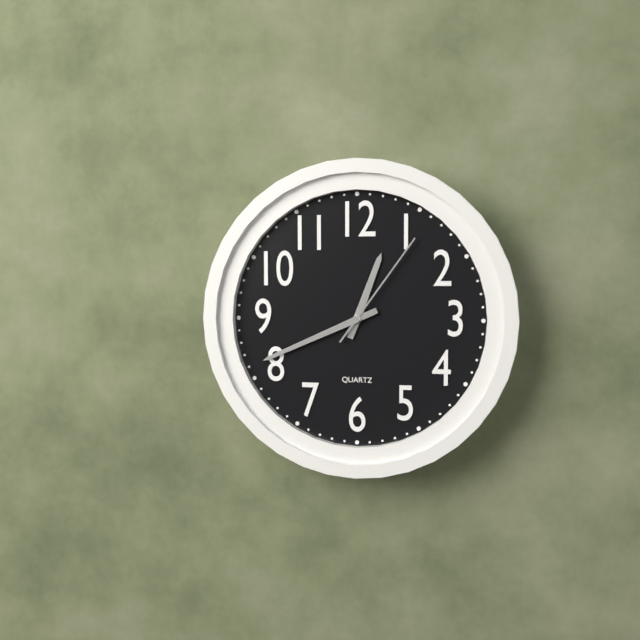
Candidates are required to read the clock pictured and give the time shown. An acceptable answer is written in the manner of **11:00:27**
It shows **12:41:06**
